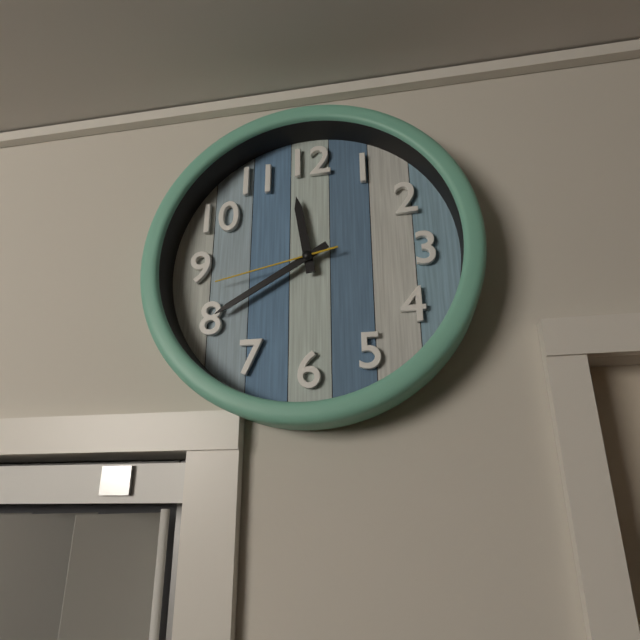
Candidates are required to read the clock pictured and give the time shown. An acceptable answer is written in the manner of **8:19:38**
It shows **11:40:43**
